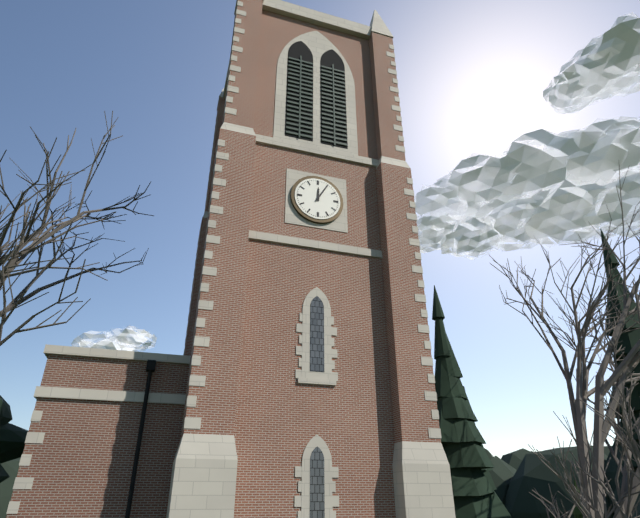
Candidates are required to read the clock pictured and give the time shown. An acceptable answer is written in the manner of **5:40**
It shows **12:05**
